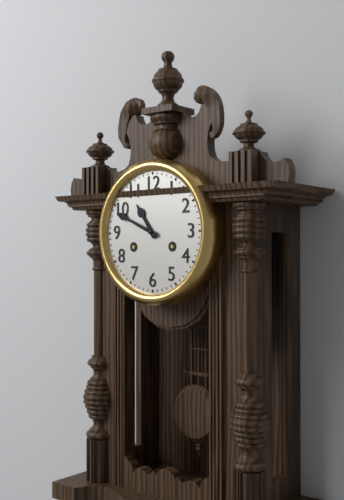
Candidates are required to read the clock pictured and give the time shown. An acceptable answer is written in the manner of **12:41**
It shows **10:49**
